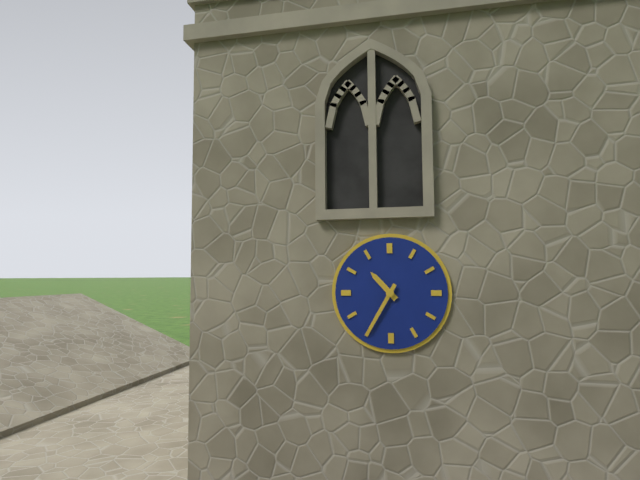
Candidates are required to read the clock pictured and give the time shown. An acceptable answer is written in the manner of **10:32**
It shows **10:35**
